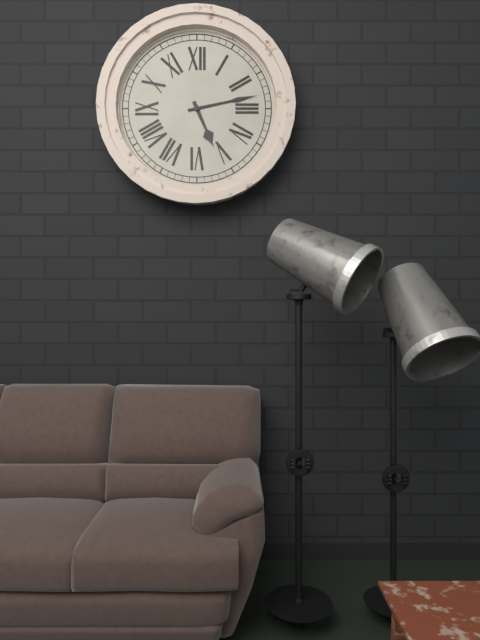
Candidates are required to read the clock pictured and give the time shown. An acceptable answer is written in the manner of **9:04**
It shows **5:13**
